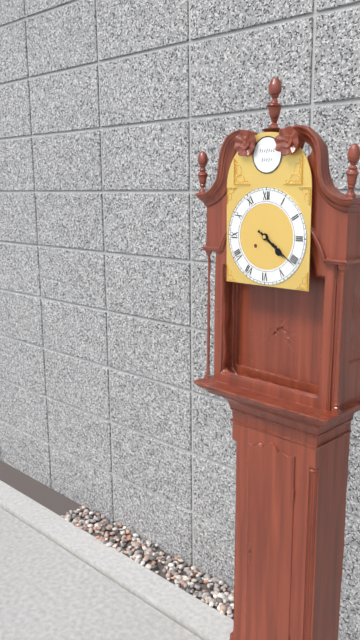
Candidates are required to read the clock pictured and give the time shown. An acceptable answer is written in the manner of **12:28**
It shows **4:21**
